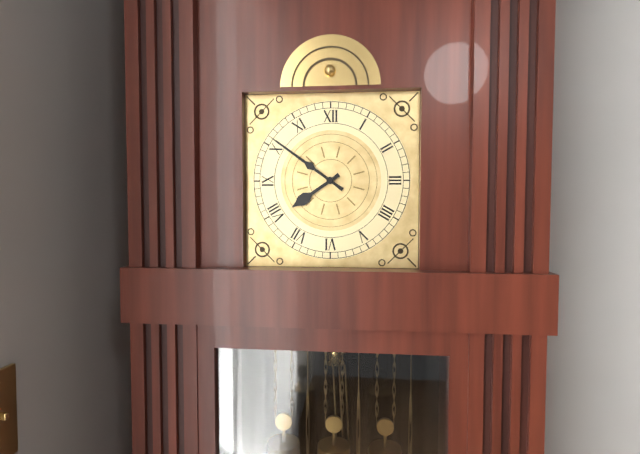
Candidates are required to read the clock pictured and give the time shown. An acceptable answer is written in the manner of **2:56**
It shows **7:51**
